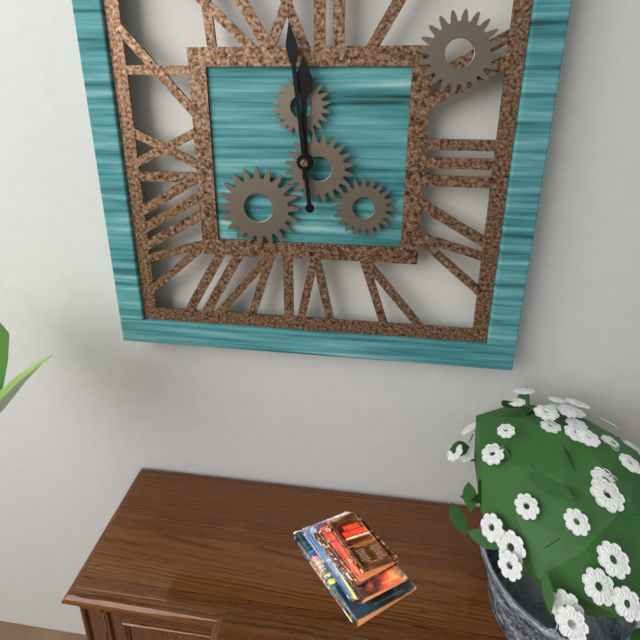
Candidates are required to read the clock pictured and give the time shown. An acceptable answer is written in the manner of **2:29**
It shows **11:59**
